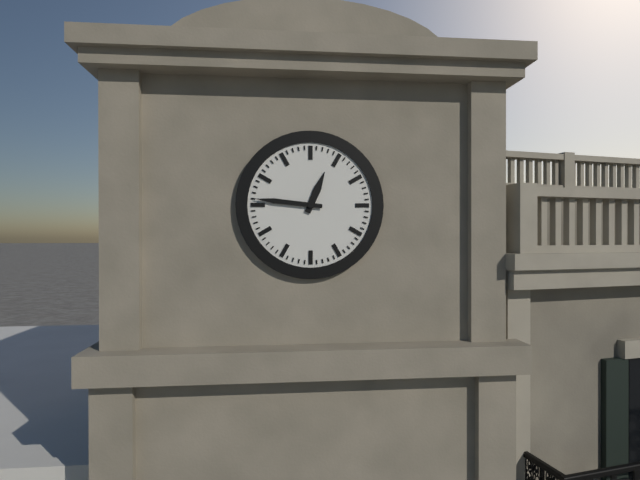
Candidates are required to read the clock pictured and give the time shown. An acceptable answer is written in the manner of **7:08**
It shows **12:46**
